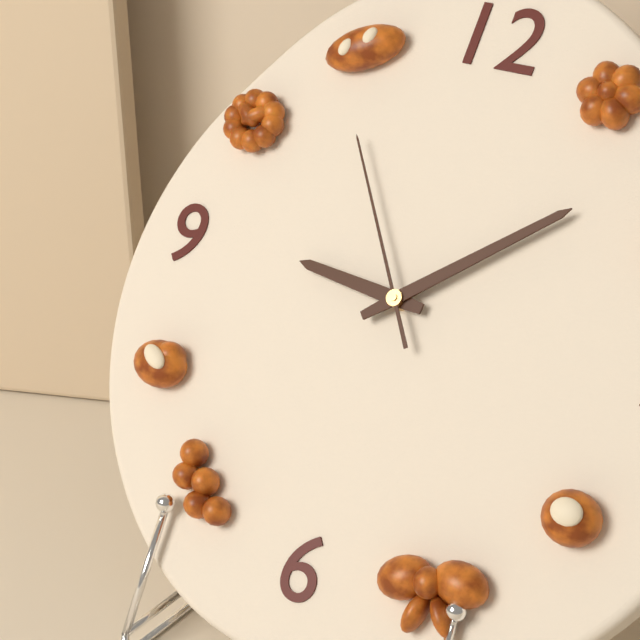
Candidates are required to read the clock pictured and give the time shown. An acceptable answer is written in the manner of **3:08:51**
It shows **9:08:54**
